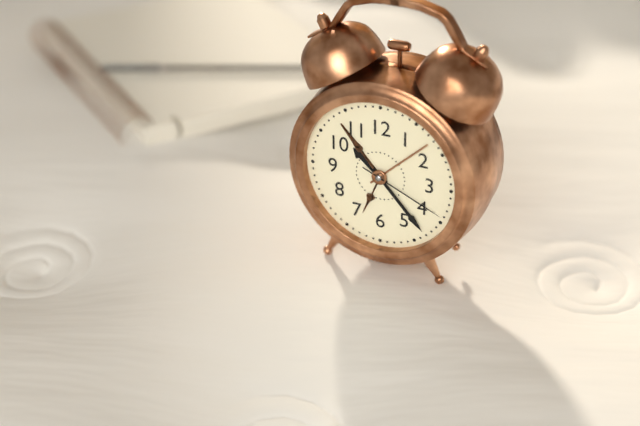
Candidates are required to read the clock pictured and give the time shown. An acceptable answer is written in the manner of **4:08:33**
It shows **10:23:19**
